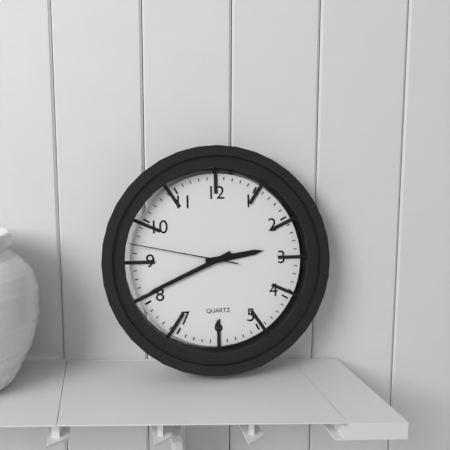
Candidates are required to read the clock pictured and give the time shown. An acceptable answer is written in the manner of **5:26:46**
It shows **2:41:47**
